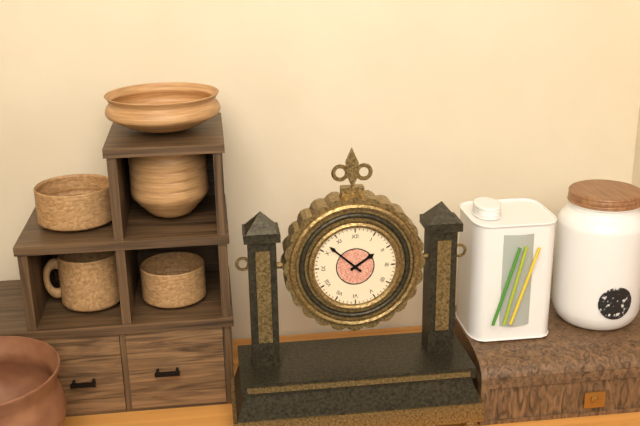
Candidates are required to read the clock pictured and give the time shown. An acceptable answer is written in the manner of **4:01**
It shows **1:52**
